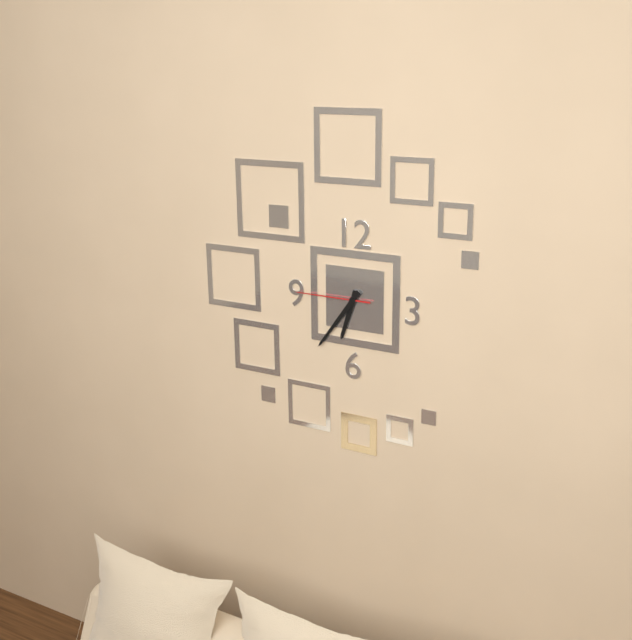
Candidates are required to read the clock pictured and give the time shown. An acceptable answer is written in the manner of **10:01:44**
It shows **6:36:45**
